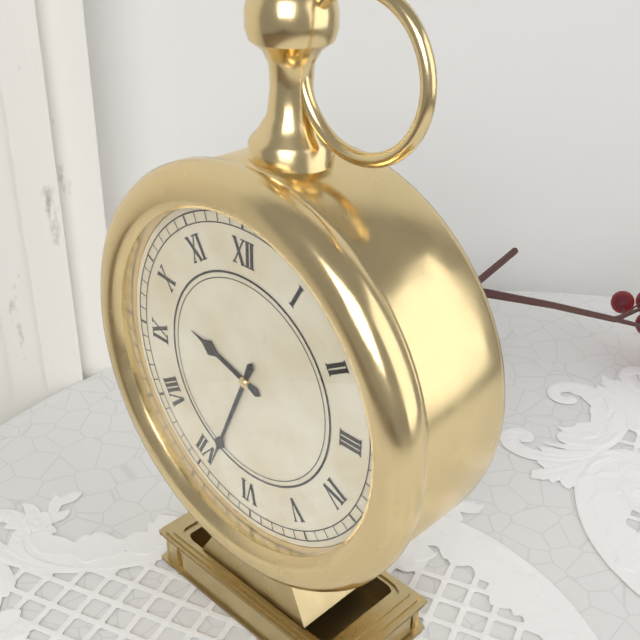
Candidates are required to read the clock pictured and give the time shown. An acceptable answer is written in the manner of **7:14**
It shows **9:34**
